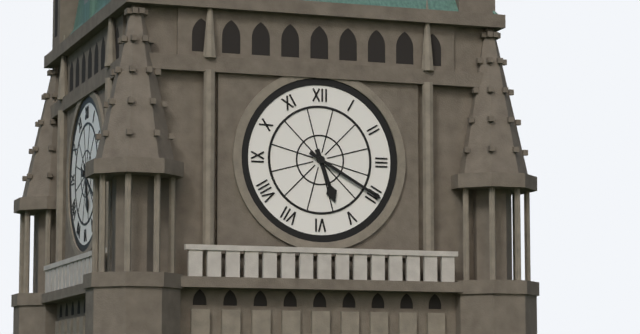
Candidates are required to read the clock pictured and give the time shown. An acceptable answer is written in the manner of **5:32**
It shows **5:20**
